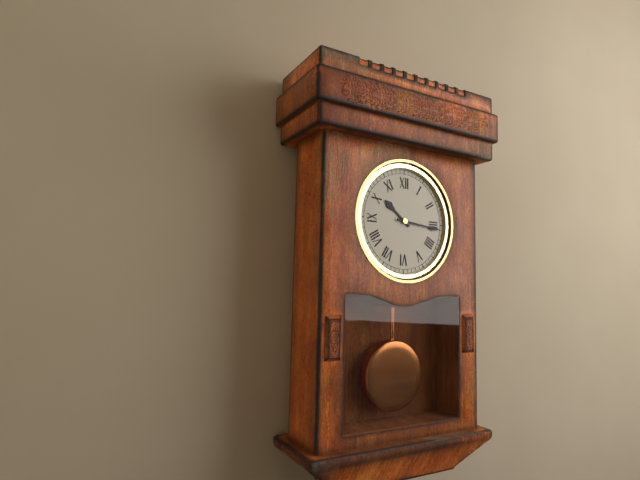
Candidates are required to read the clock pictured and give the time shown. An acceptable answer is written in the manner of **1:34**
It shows **10:16**
